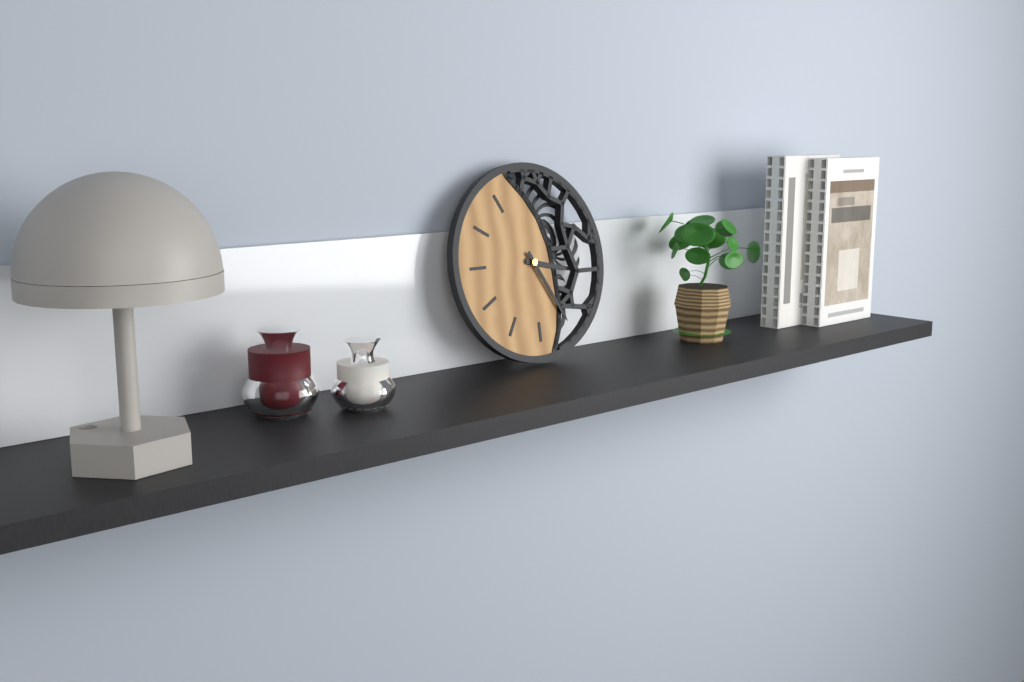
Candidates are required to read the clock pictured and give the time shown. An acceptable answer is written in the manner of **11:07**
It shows **3:25**
